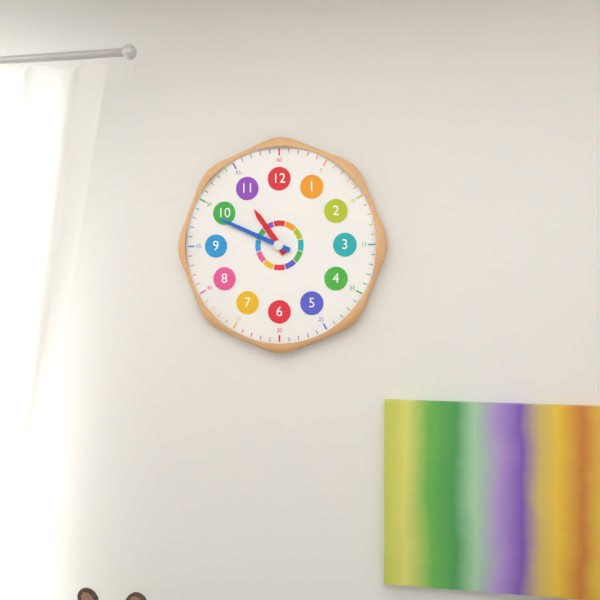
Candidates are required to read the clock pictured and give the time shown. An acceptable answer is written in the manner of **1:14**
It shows **10:49**
